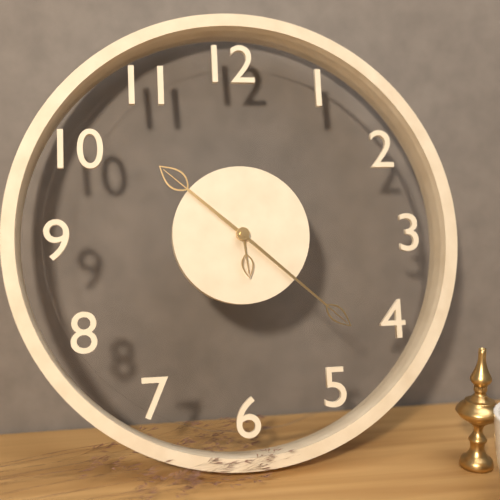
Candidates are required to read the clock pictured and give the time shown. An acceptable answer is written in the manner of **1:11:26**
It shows **10:22:29**
